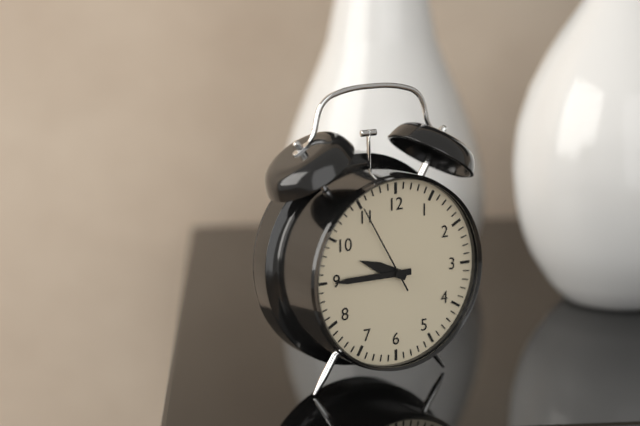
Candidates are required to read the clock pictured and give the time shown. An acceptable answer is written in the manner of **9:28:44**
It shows **9:45:55**
